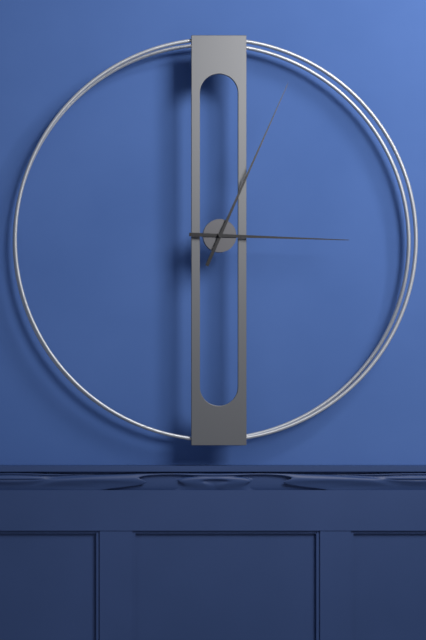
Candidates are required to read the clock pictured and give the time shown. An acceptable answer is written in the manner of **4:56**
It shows **3:04**
